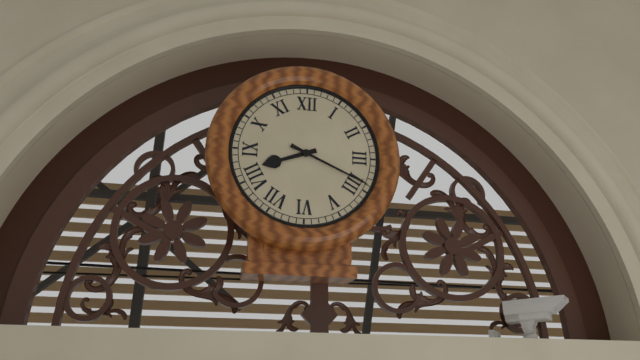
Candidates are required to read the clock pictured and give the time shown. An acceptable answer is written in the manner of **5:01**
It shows **8:19**
